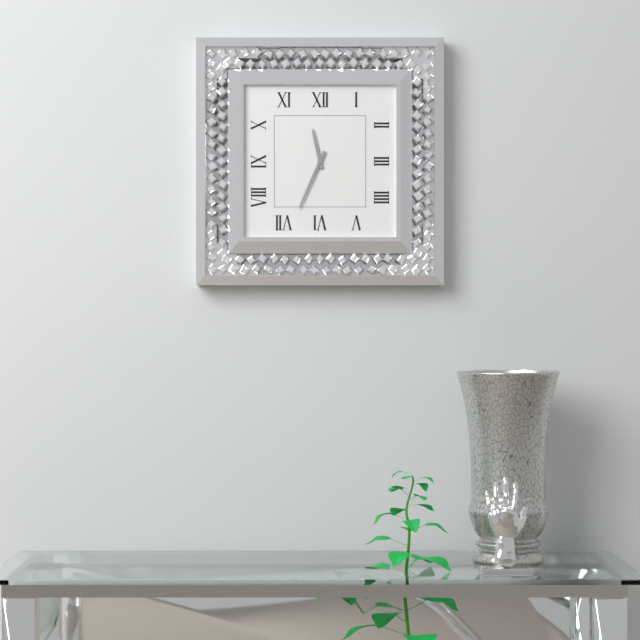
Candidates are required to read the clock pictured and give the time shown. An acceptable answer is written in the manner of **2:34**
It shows **11:34**
